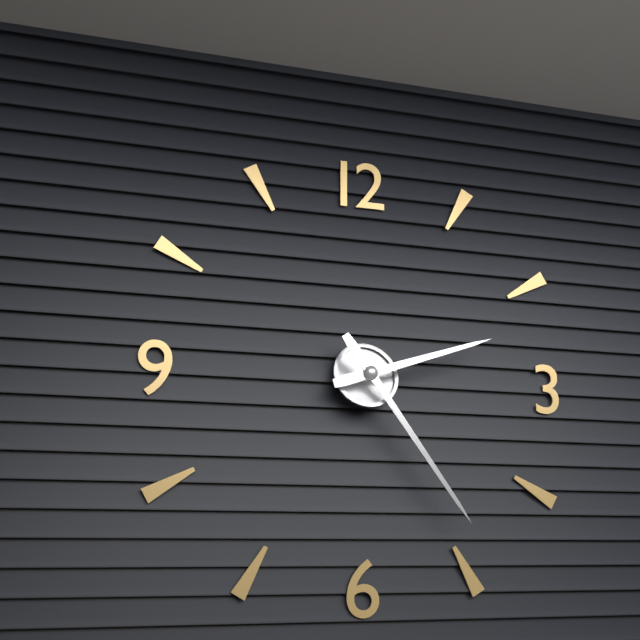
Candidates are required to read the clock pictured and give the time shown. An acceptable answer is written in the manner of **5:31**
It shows **2:24**
